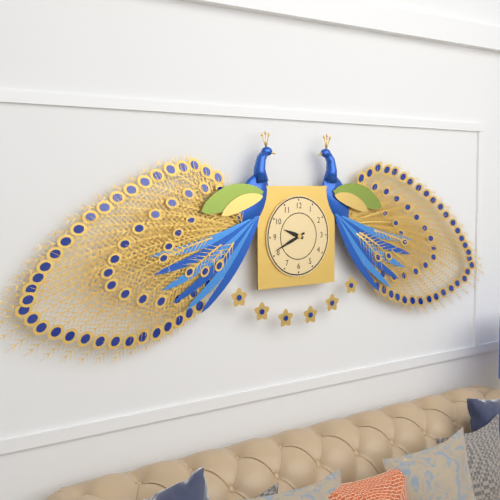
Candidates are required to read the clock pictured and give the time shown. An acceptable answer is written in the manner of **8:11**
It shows **9:41**
